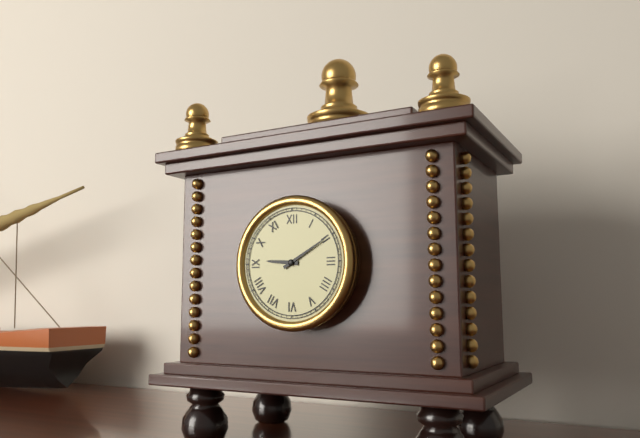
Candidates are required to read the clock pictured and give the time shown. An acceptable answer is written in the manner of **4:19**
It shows **9:10**
